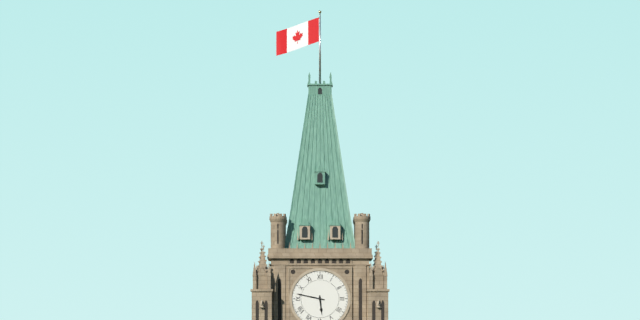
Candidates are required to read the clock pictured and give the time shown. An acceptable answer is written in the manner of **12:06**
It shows **5:47**
